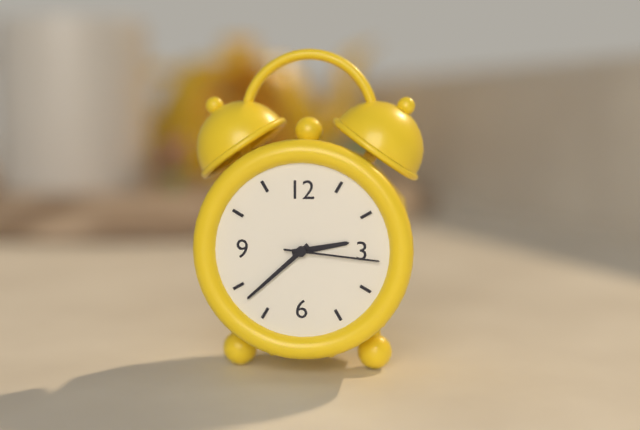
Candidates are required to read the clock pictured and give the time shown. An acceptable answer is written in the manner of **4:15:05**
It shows **2:38:16**
